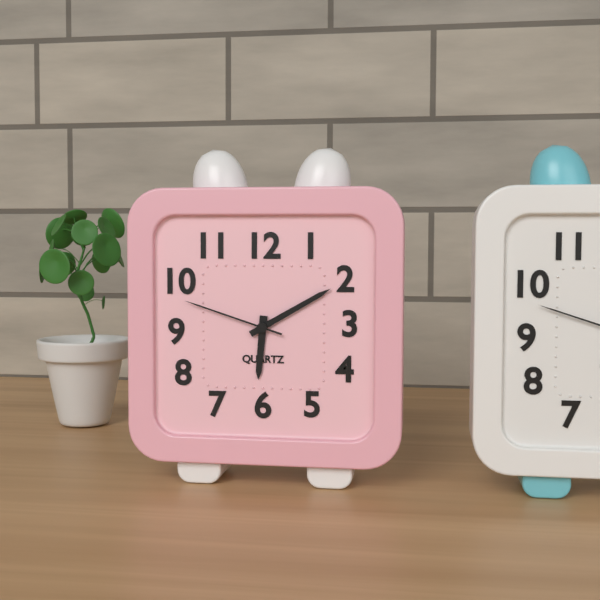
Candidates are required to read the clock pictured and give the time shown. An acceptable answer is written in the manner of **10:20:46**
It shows **6:10:48**
